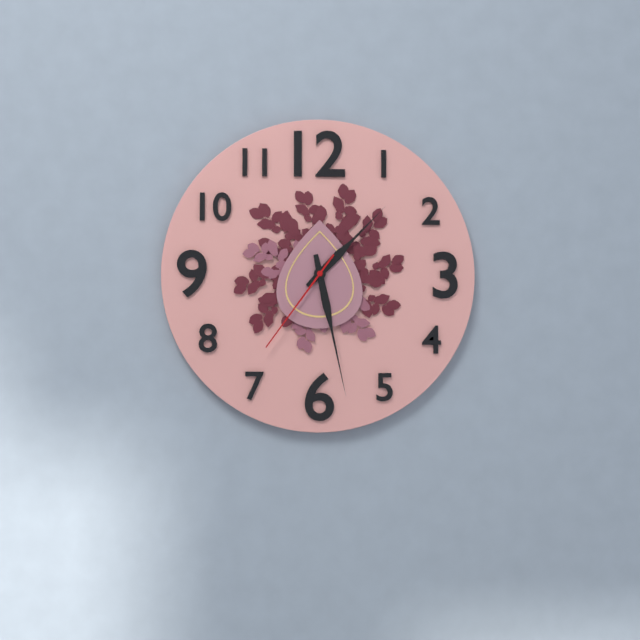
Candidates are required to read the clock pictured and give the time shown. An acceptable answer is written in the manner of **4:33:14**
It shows **1:28:36**
